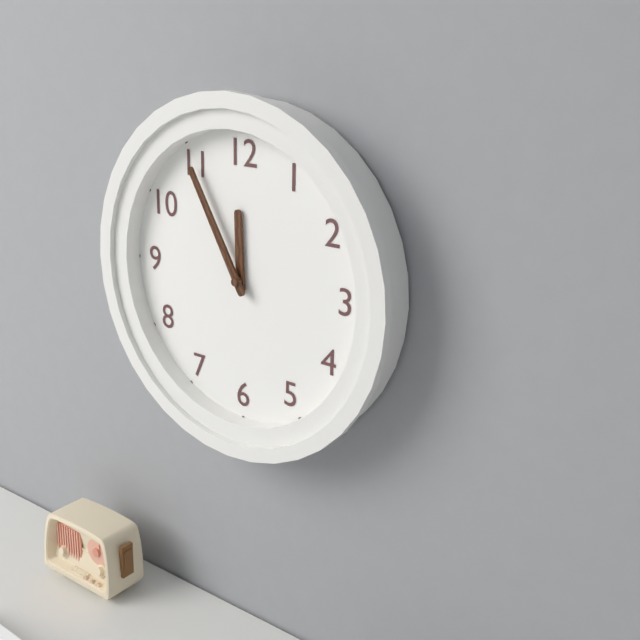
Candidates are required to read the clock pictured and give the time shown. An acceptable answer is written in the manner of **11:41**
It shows **11:55**
